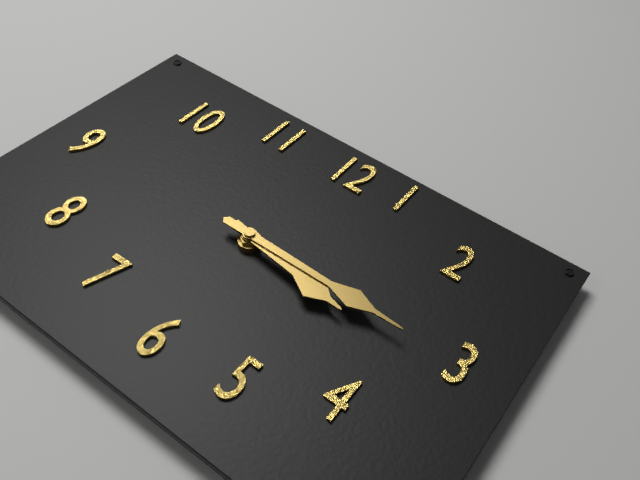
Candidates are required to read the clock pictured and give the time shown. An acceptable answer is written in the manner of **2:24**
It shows **3:15**
